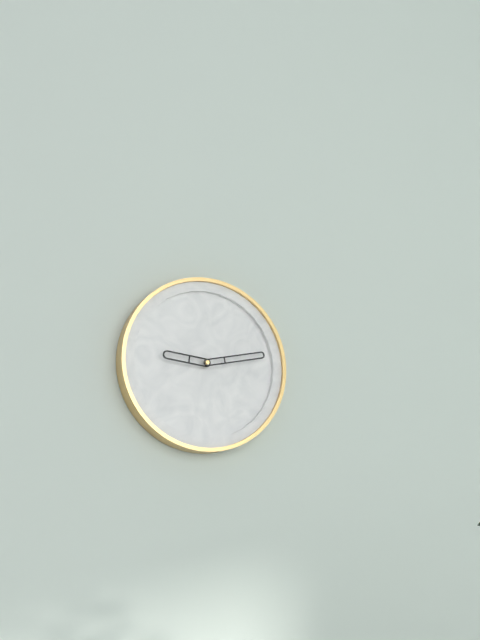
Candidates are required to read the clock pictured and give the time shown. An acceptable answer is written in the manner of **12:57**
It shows **9:13**
